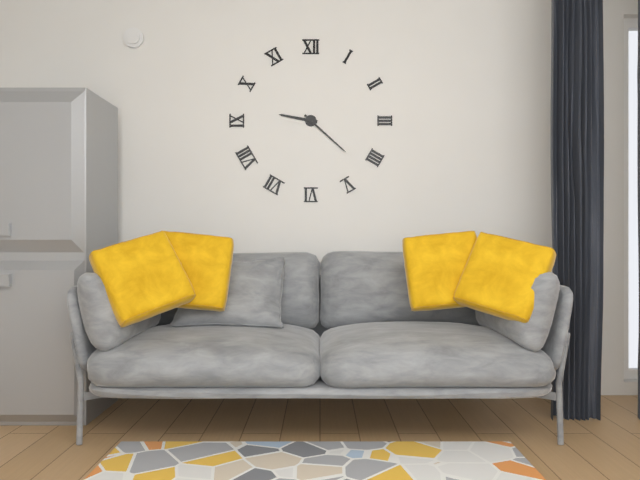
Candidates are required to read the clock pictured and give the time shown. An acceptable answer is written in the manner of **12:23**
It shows **9:22**
